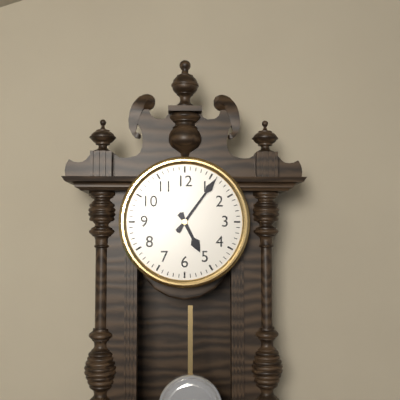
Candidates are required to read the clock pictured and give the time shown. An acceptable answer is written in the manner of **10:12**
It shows **5:06**
